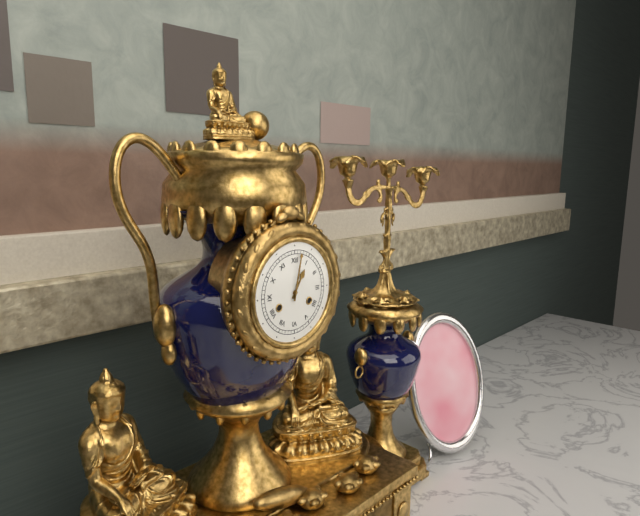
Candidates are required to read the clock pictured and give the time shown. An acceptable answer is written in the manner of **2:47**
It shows **1:02**
